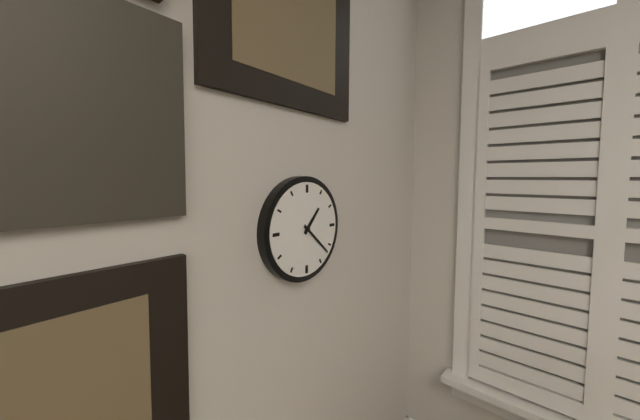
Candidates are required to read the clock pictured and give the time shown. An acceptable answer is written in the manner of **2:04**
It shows **1:22**
